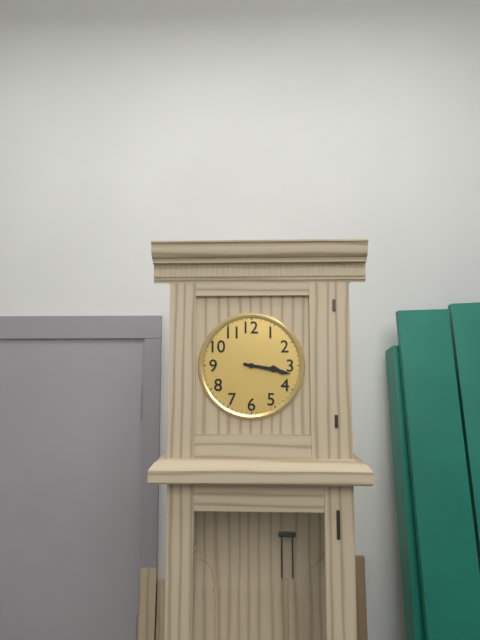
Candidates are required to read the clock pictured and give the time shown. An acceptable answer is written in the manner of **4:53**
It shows **3:17**
